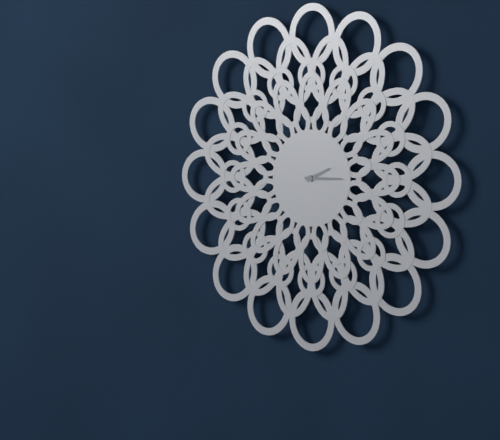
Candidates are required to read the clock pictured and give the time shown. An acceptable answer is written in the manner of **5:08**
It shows **2:15**
